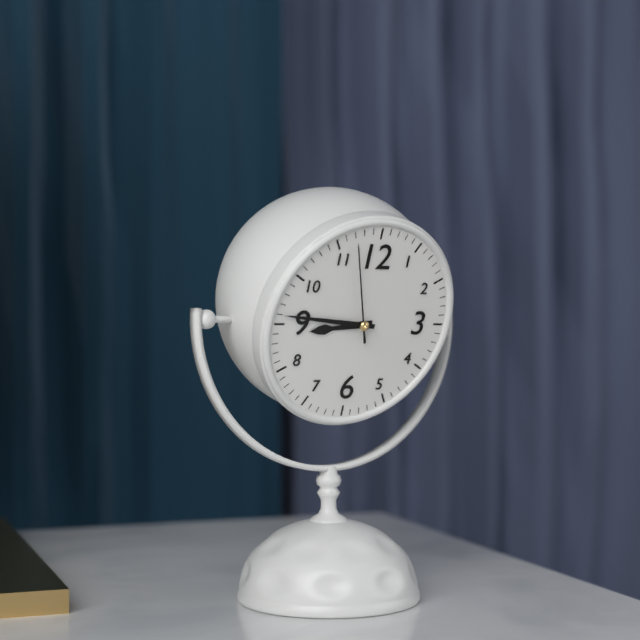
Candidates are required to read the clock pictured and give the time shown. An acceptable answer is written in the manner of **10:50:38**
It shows **8:46:57**
